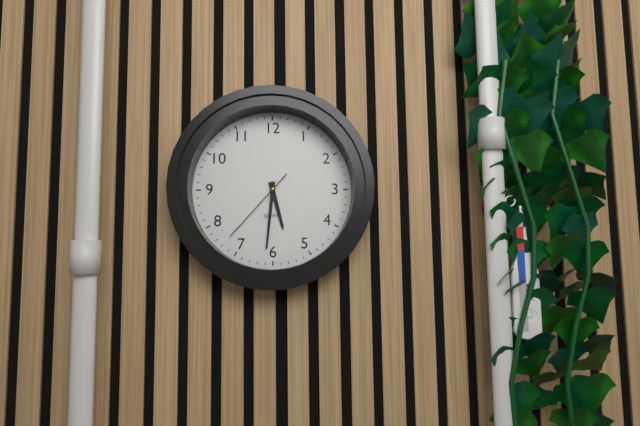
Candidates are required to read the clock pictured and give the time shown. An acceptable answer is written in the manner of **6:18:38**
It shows **5:31:37**
